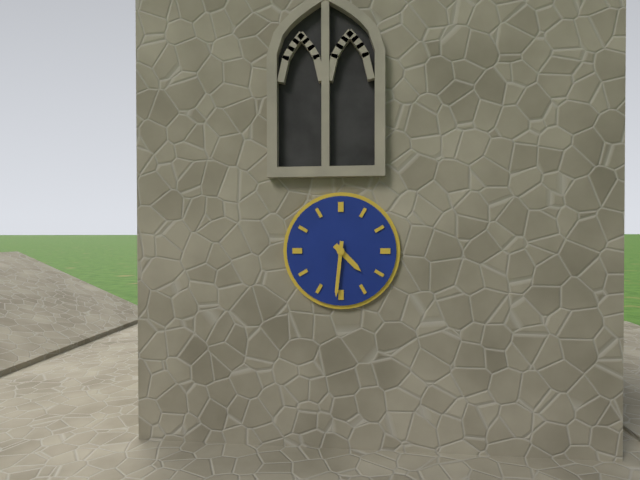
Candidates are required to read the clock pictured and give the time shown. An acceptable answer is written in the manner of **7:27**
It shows **4:31**
